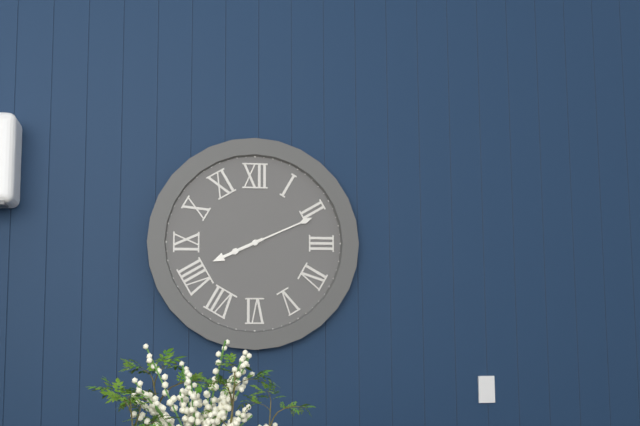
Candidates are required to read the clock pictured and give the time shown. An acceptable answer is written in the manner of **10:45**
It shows **8:11**
